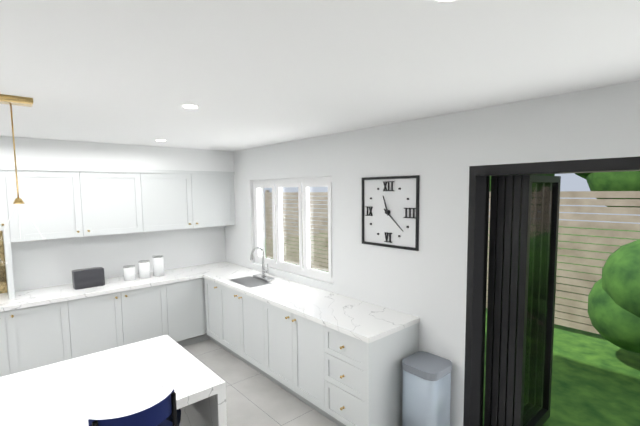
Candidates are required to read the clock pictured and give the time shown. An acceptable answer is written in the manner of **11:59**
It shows **11:22**
